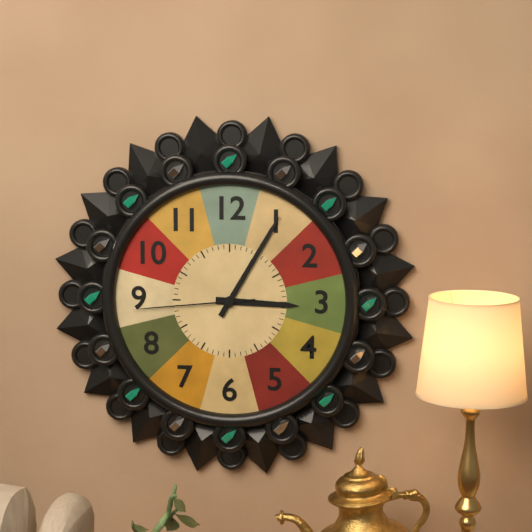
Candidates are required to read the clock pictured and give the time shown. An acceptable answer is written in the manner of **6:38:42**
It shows **3:05:44**
